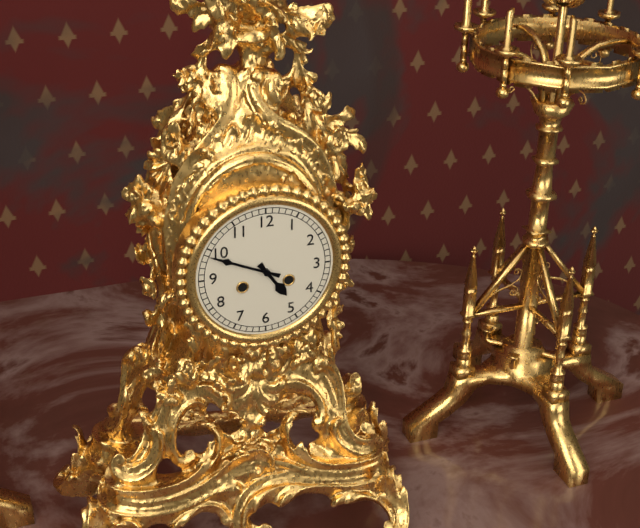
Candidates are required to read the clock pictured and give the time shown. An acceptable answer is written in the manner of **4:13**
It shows **4:49**
